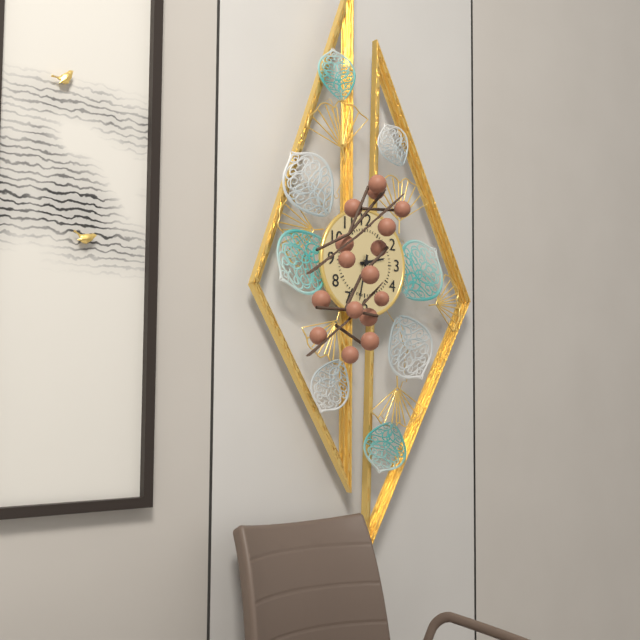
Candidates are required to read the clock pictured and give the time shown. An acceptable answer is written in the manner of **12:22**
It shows **2:32**
